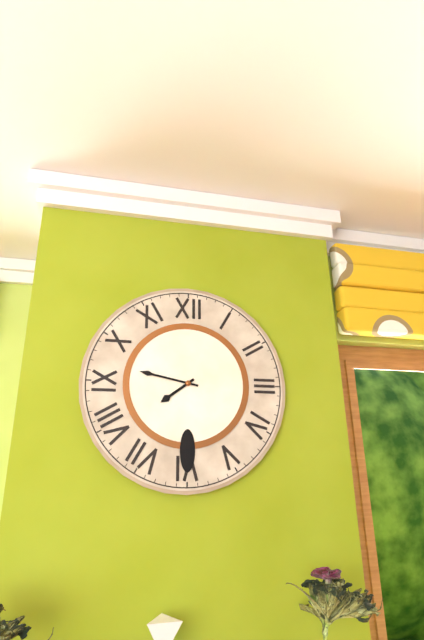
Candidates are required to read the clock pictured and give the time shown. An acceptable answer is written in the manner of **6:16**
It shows **7:47**
